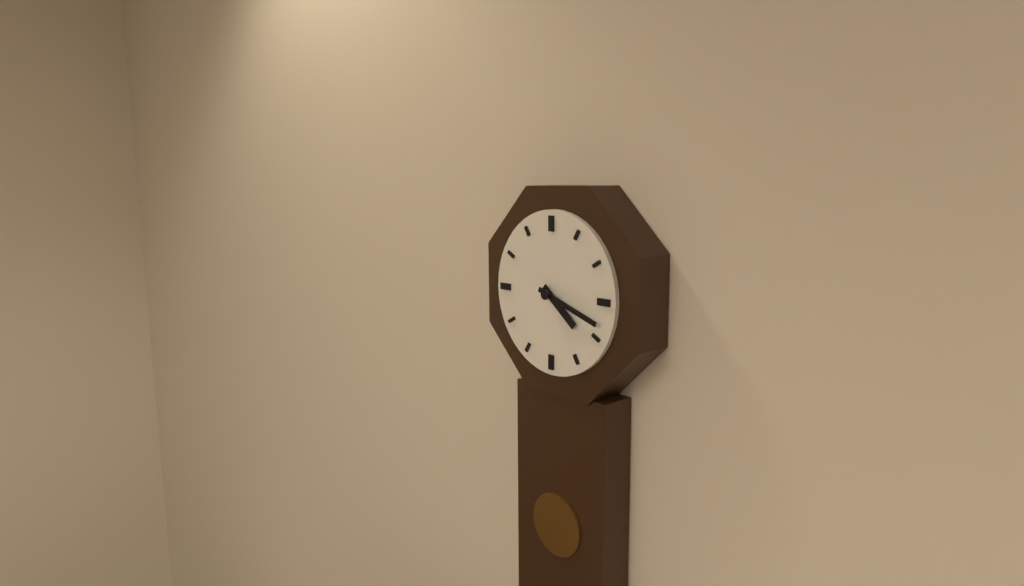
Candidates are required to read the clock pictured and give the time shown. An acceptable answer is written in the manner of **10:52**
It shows **4:18**
